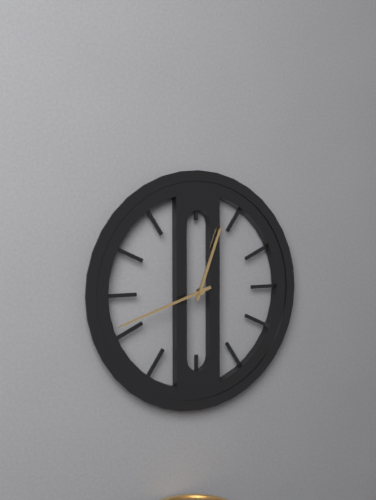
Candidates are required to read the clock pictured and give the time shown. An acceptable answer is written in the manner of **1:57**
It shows **12:42**
